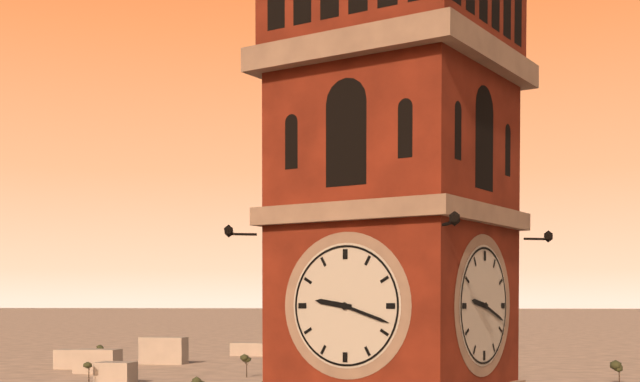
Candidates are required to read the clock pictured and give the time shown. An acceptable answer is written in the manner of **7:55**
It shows **9:18**
